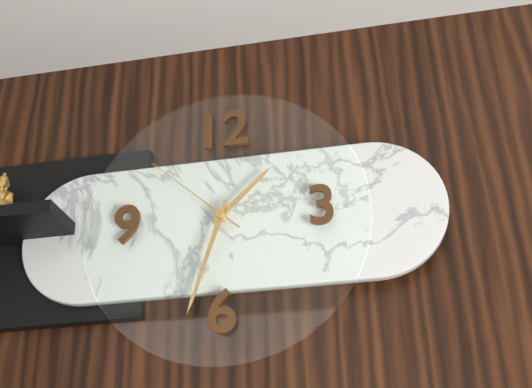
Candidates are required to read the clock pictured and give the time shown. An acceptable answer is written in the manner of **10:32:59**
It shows **1:33:52**
